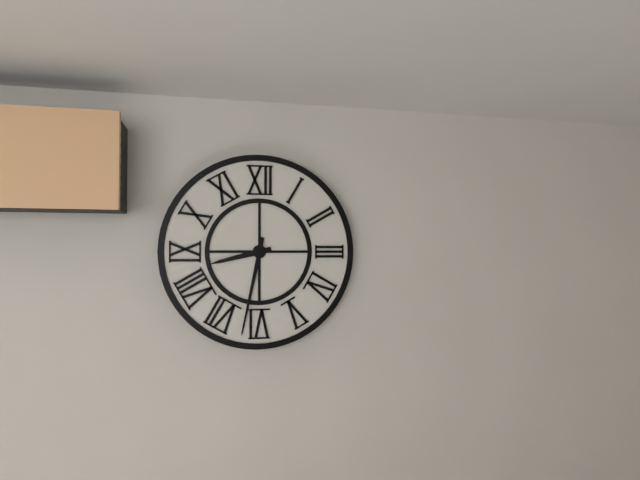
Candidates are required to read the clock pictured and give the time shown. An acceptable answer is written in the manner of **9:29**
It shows **8:32**
